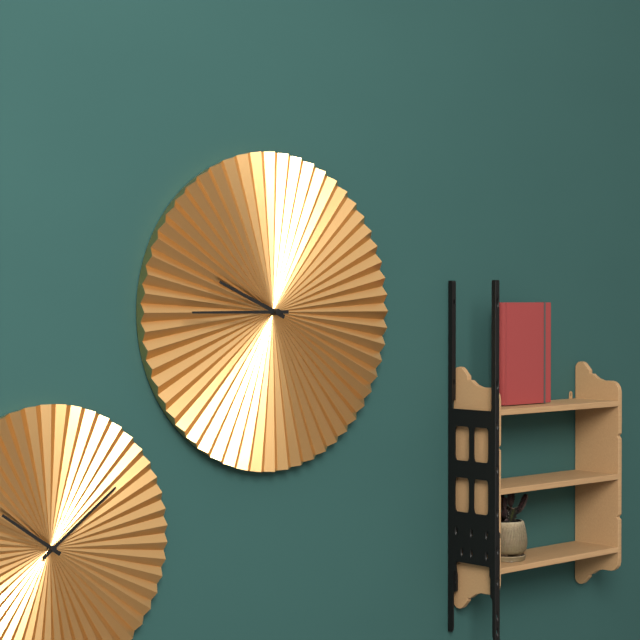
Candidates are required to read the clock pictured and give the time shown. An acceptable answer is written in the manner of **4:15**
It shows **9:45**
